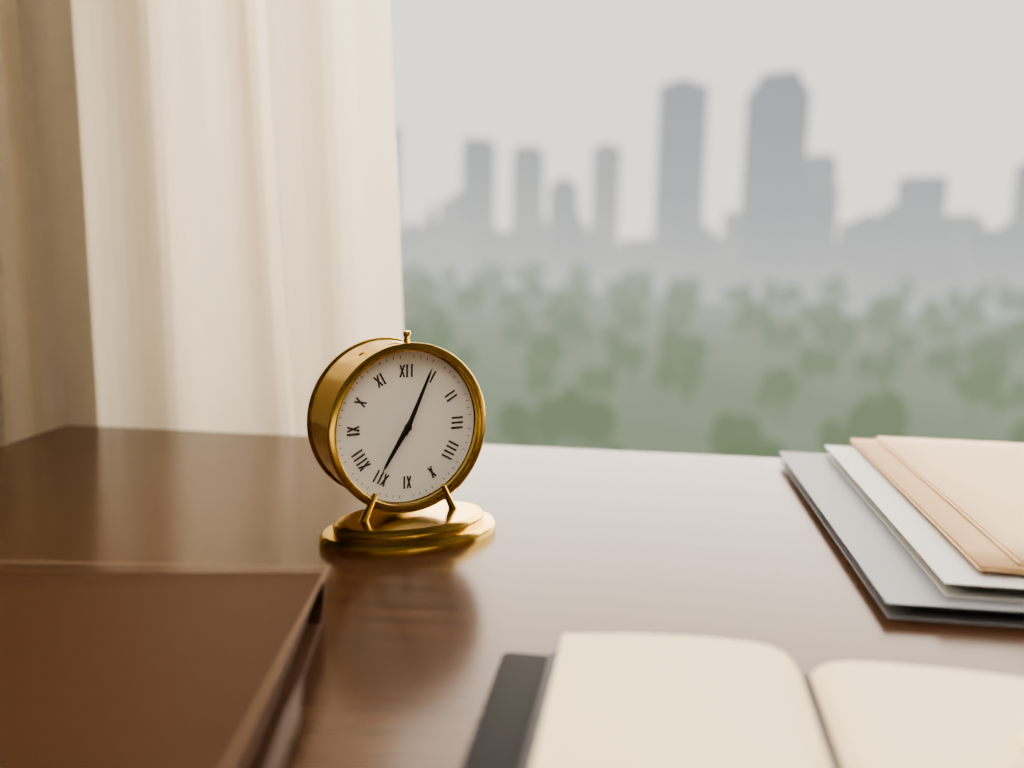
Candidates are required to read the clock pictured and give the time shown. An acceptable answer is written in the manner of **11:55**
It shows **7:04**
